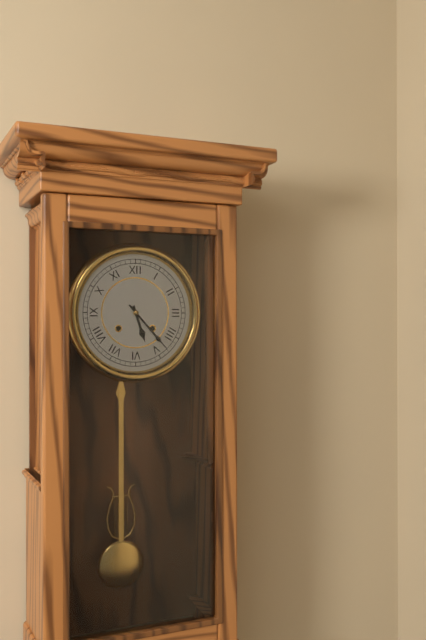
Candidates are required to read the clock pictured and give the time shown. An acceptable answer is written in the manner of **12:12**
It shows **5:23**
